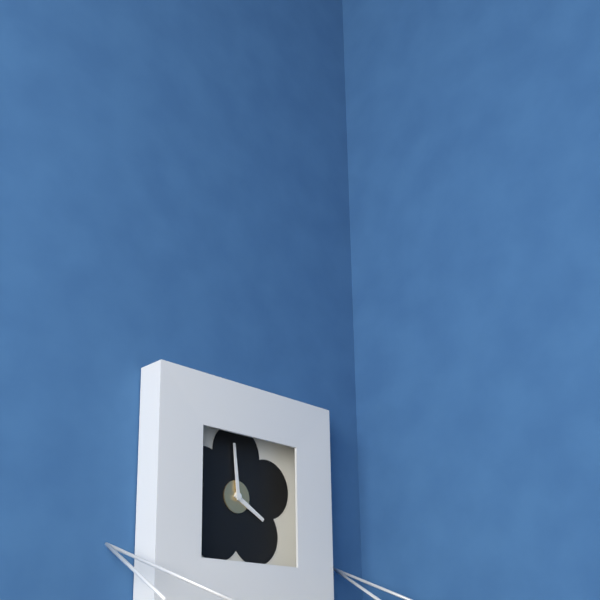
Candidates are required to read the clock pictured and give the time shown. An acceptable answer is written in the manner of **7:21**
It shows **3:59**
